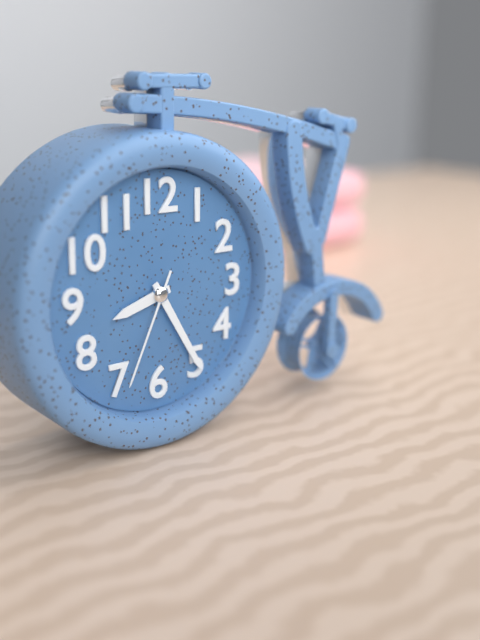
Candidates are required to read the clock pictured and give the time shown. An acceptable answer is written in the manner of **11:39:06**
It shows **8:25:34**
